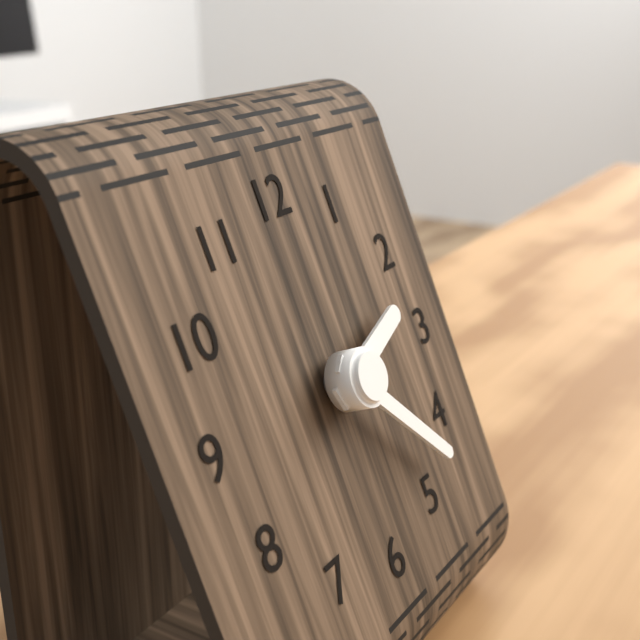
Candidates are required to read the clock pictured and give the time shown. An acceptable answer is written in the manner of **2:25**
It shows **2:23**
